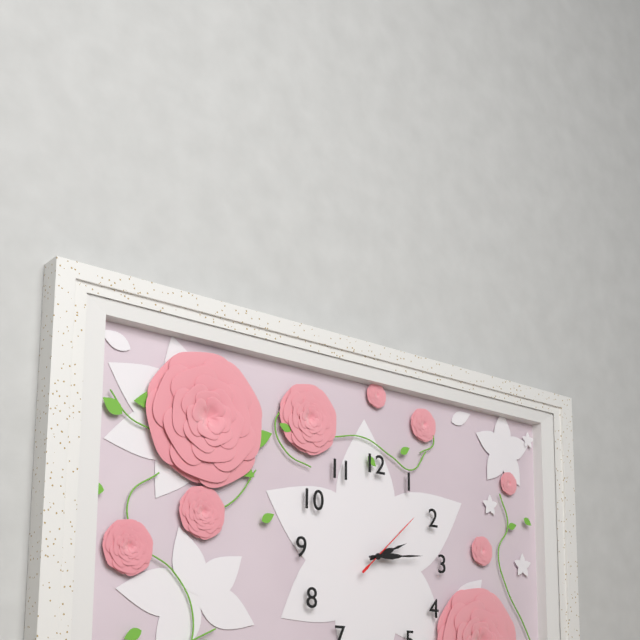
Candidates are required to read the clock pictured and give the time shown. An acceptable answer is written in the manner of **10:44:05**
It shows **2:14:08**
